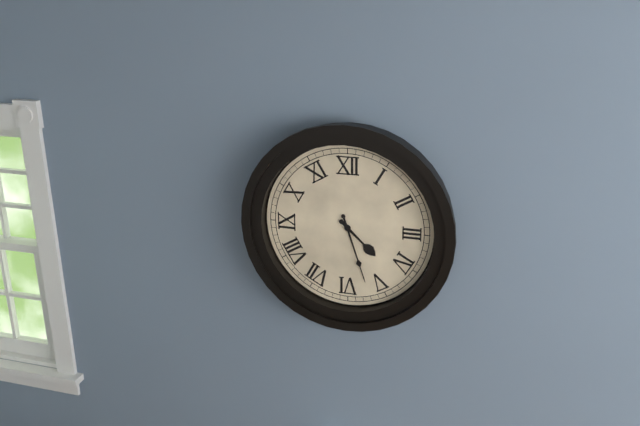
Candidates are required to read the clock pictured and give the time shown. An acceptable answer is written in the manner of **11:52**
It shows **4:27**
